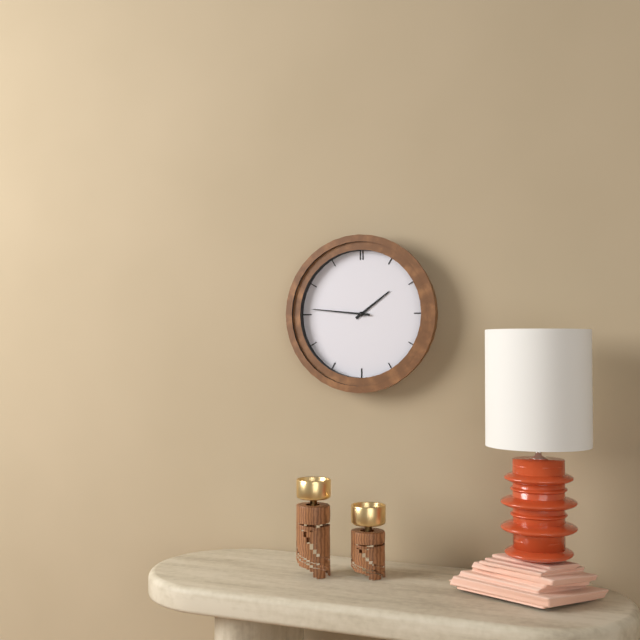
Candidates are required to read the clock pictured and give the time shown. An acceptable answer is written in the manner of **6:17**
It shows **1:46**
